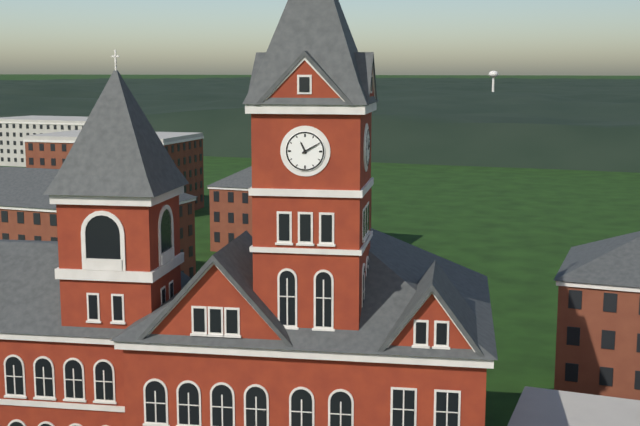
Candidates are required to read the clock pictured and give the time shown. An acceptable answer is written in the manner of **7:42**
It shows **11:10**
